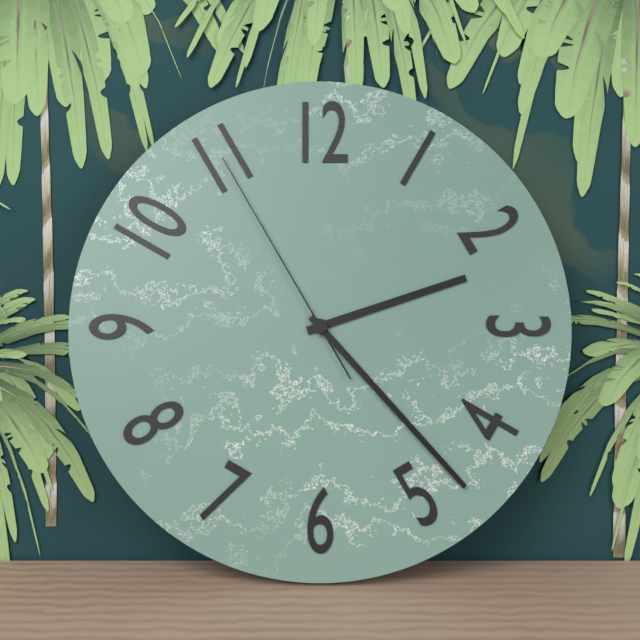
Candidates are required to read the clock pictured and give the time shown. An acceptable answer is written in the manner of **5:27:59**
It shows **2:23:55**
